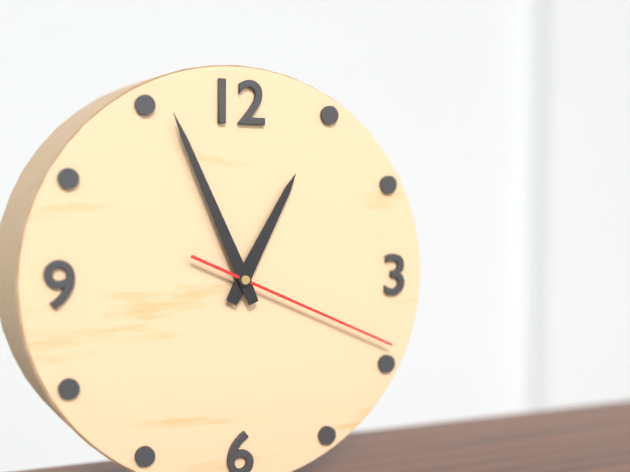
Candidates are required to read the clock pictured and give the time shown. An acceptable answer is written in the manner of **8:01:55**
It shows **12:56:19**
